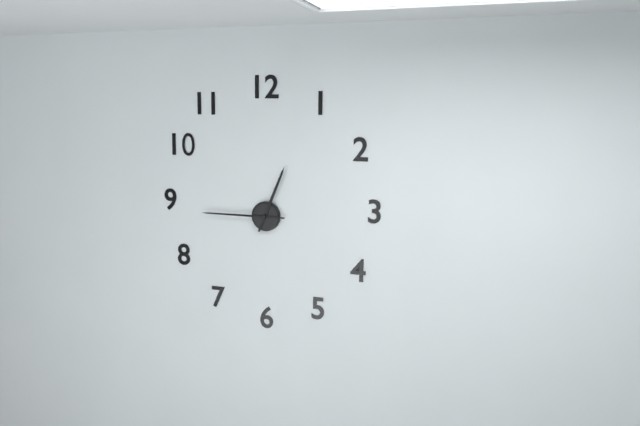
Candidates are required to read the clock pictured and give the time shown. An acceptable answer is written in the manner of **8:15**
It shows **12:45**
